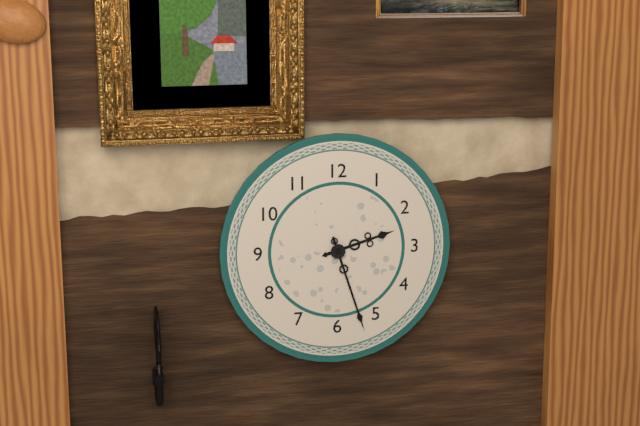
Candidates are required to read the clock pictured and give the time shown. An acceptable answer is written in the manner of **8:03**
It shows **2:27**
